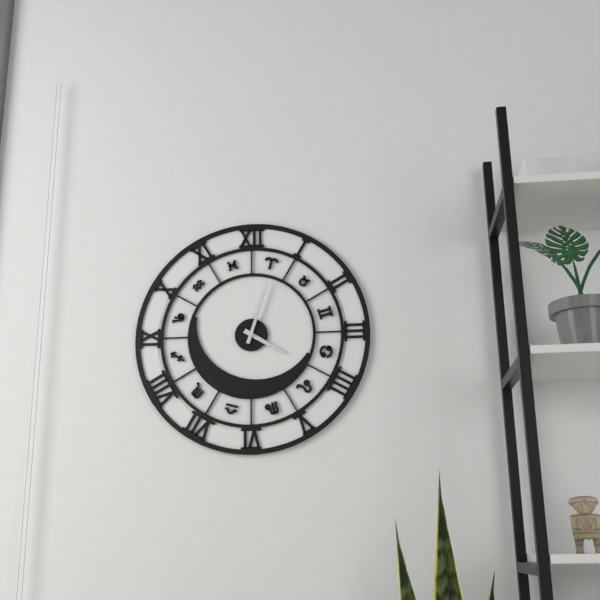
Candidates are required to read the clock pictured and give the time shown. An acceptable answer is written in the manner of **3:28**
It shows **4:03**
